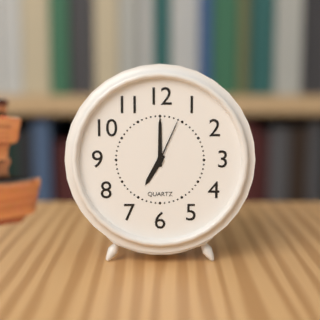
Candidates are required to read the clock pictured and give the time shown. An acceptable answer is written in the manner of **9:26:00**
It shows **7:00:04**
